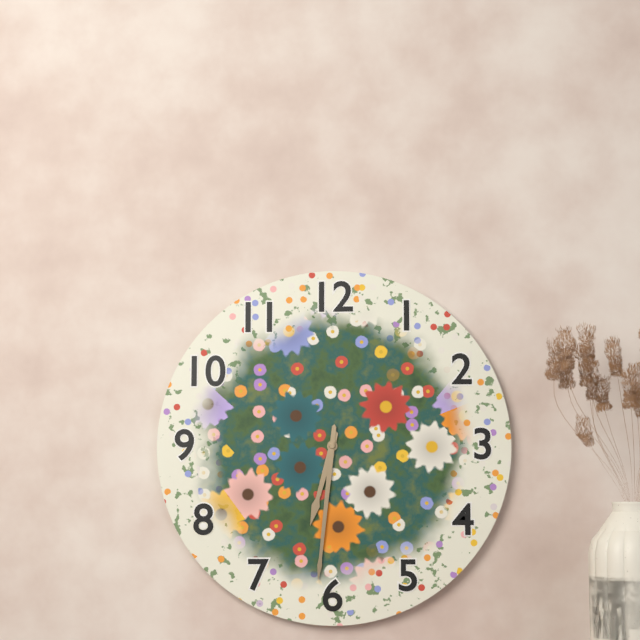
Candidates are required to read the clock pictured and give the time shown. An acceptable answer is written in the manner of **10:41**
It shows **6:31**
